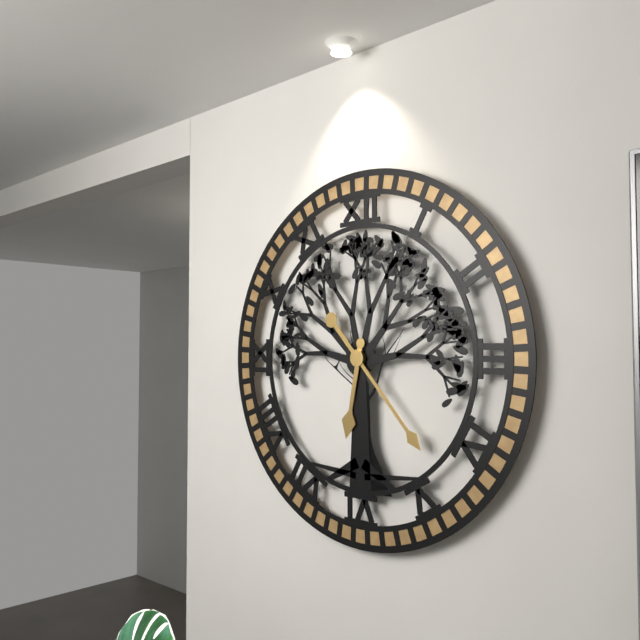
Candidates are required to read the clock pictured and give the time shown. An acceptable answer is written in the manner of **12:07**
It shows **6:23**
